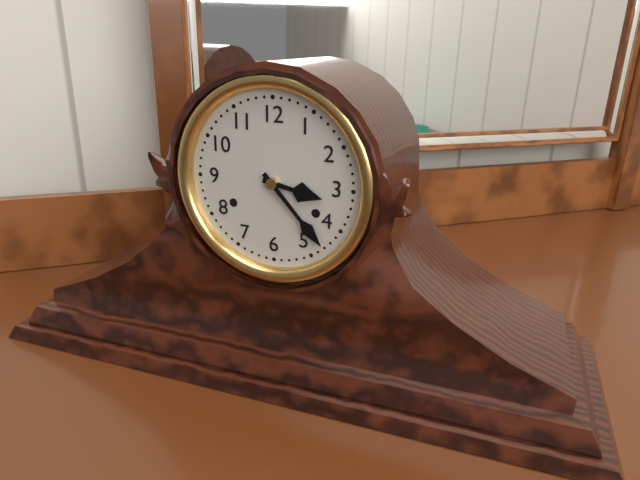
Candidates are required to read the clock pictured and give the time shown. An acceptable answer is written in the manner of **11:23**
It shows **3:23**
